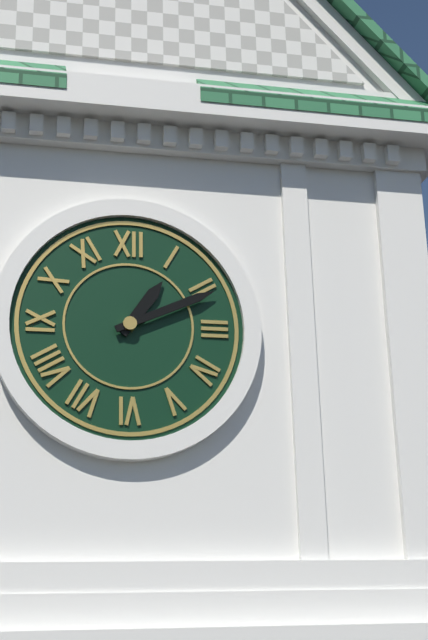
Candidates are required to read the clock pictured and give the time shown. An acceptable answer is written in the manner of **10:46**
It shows **1:11**
